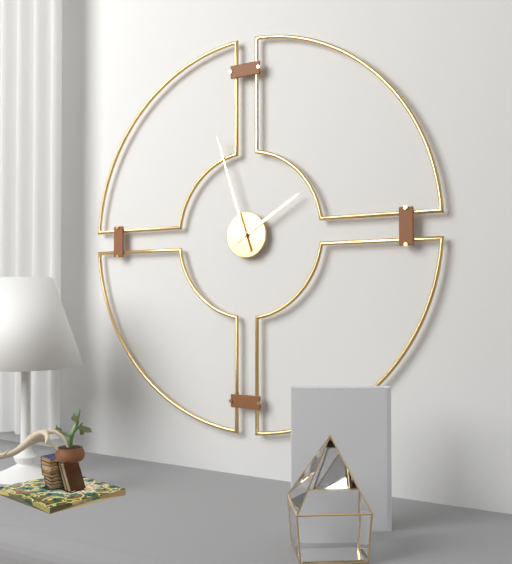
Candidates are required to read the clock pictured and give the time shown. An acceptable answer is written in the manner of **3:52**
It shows **1:57**
